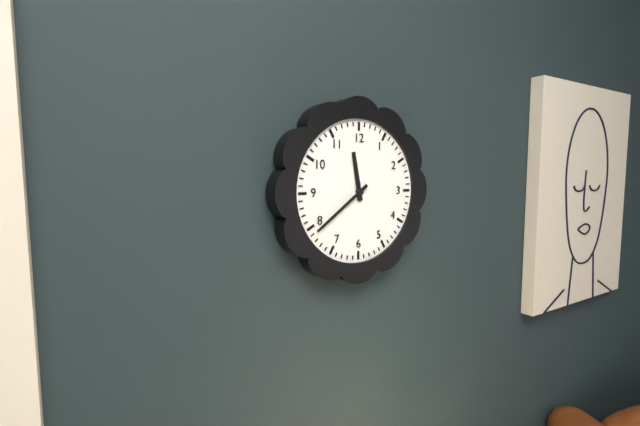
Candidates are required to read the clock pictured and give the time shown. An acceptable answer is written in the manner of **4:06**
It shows **11:39**
